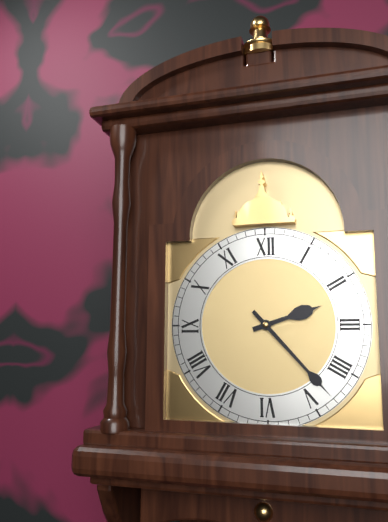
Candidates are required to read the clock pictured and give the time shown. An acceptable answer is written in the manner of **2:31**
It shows **2:23**
